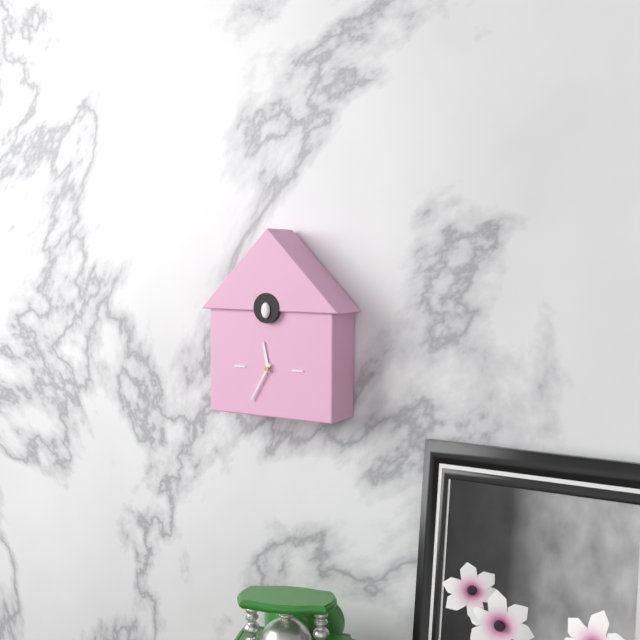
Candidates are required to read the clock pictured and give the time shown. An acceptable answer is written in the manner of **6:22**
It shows **11:35**
